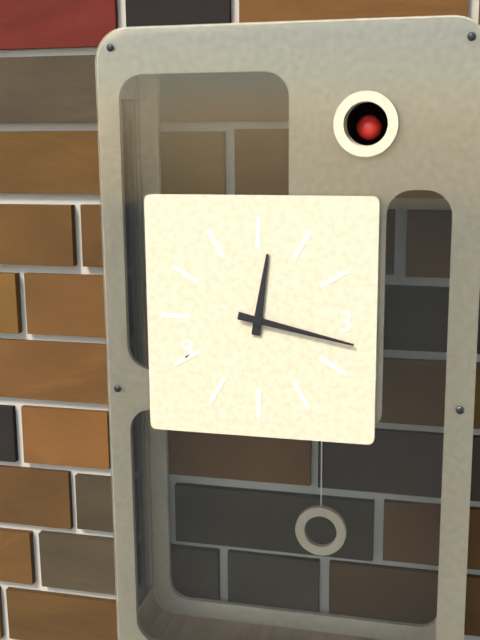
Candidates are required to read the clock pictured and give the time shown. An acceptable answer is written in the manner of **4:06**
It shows **12:17**
